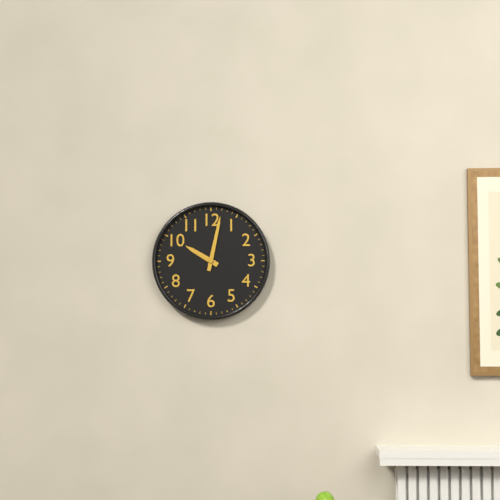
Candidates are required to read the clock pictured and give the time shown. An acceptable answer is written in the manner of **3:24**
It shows **10:02**
